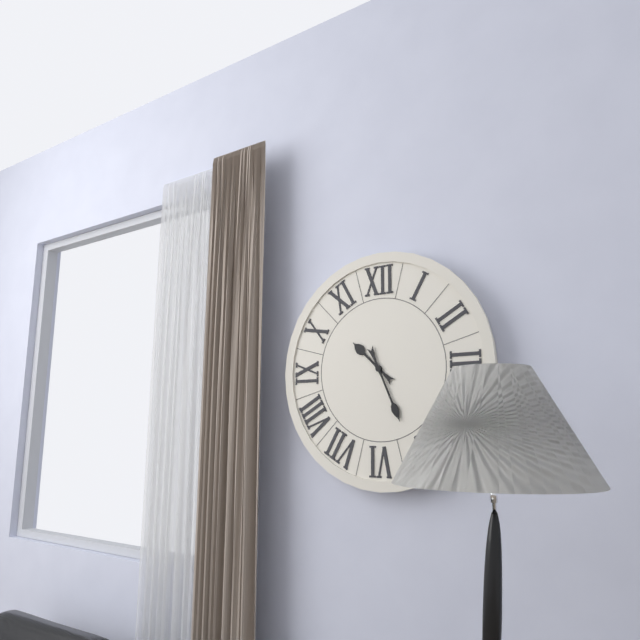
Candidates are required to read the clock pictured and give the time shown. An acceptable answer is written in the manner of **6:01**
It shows **10:26**
